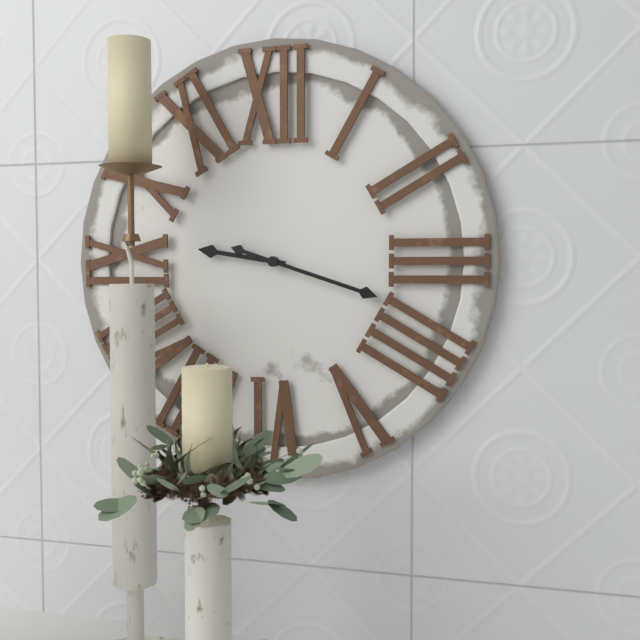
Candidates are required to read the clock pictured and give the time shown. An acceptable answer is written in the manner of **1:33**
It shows **9:18**
